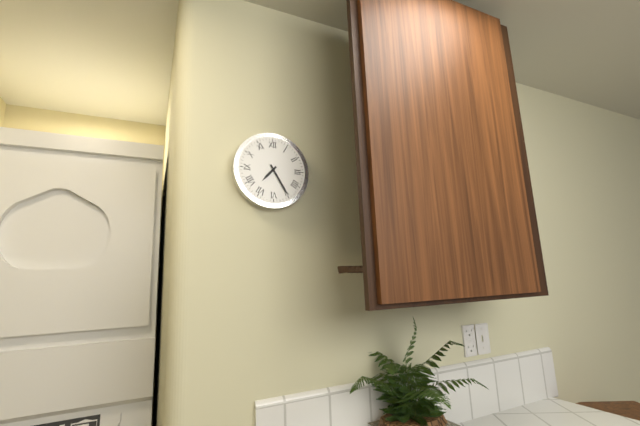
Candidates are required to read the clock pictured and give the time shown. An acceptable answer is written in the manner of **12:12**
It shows **7:25**
